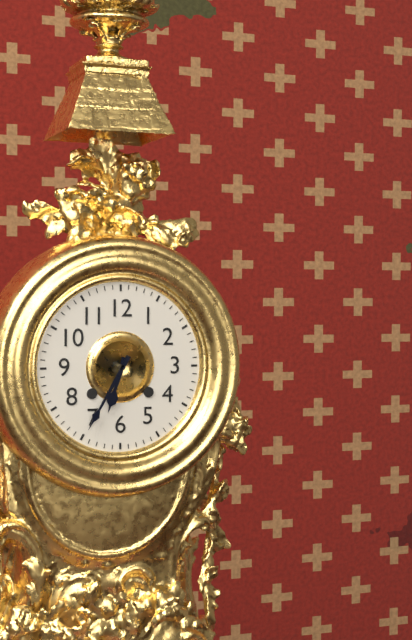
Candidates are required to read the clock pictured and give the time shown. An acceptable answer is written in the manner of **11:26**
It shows **6:35**
